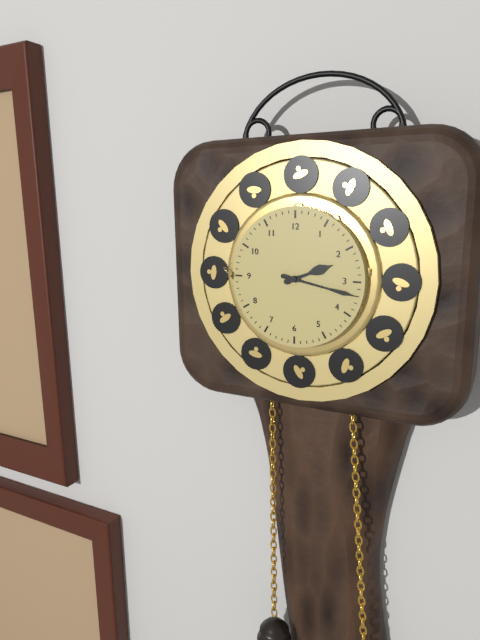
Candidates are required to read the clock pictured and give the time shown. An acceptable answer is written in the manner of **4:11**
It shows **2:17**
